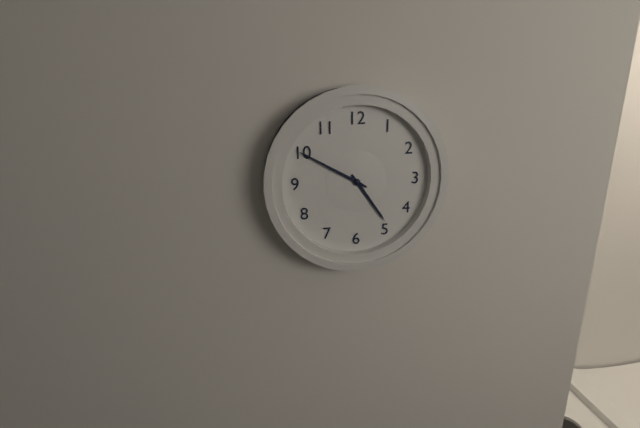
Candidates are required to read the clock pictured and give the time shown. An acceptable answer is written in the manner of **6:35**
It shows **4:50**
